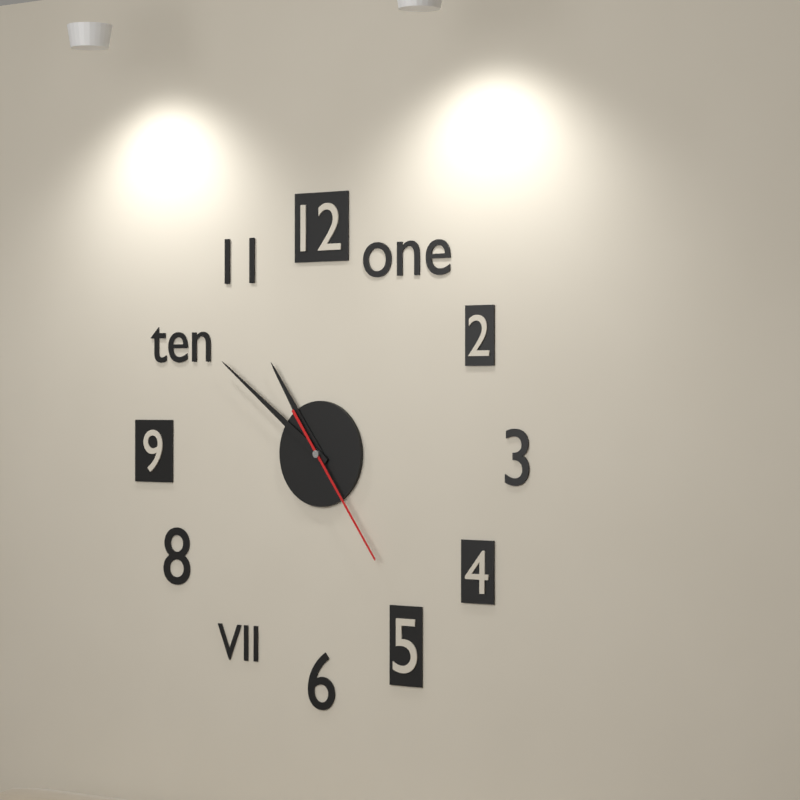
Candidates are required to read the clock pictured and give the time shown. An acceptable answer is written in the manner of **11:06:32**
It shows **10:51:24**
